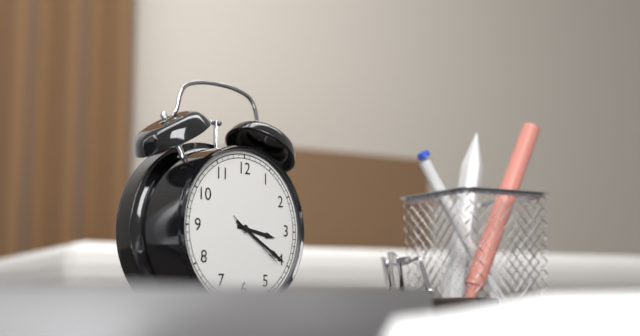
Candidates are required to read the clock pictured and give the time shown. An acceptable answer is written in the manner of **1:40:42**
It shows **3:20:21**
